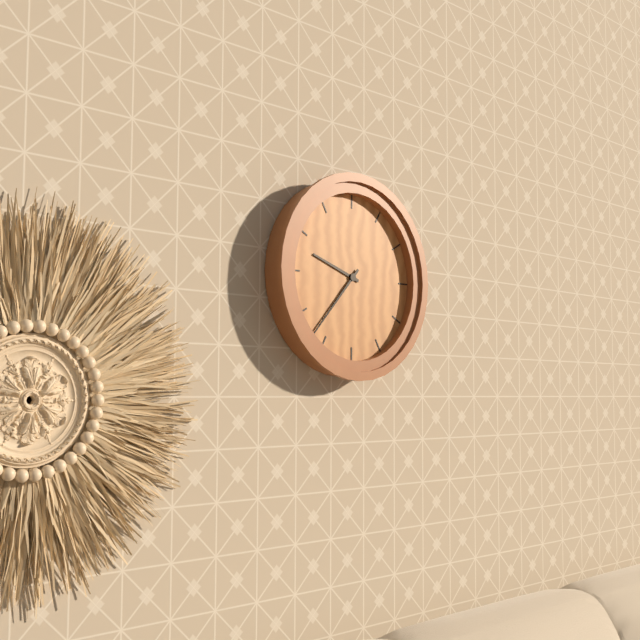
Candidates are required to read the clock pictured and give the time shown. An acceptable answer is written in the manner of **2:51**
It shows **9:37**
